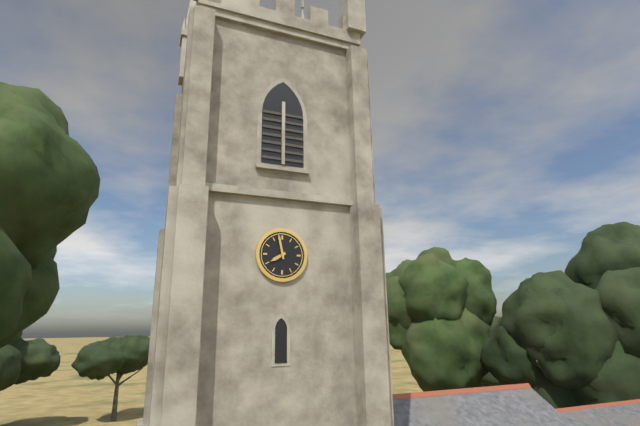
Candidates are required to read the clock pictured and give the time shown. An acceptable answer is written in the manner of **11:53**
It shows **7:58**
